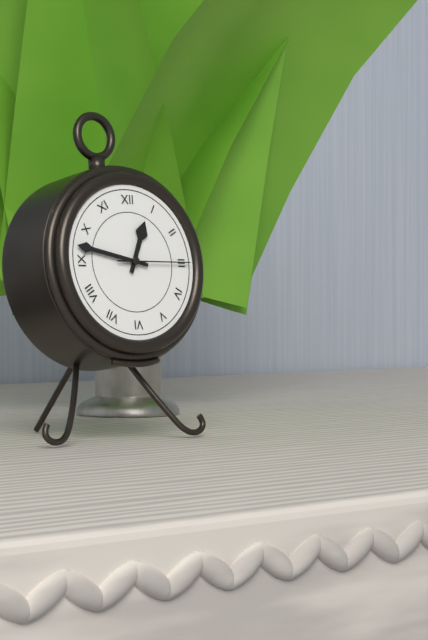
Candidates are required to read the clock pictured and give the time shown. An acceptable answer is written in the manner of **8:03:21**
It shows **12:47:15**
